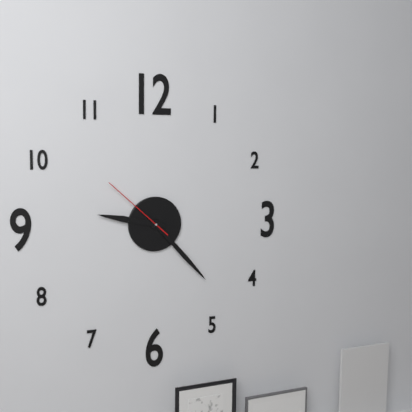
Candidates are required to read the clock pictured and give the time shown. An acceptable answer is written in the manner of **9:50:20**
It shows **9:23:52**
